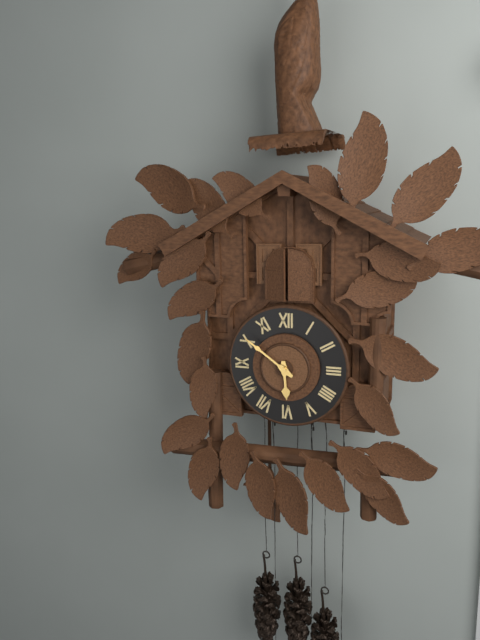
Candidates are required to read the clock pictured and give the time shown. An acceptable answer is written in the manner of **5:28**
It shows **5:51**
